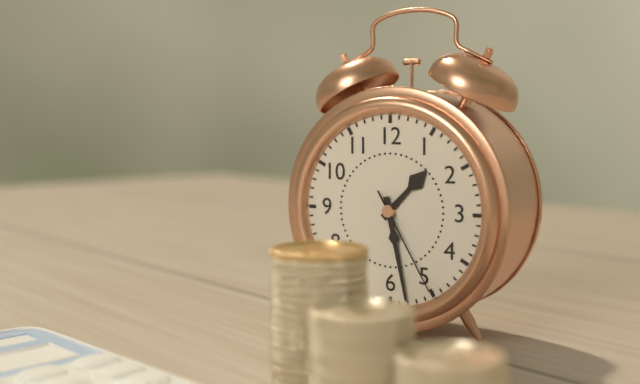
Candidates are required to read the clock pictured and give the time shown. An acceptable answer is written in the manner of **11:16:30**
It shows **1:28:25**
